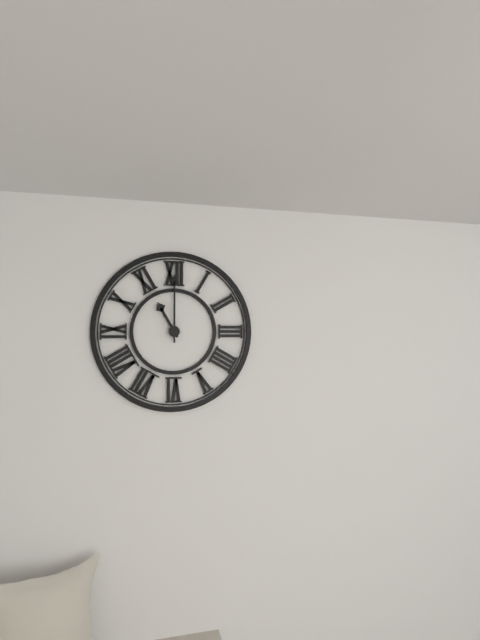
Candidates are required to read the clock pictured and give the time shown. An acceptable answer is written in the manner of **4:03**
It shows **11:00**
